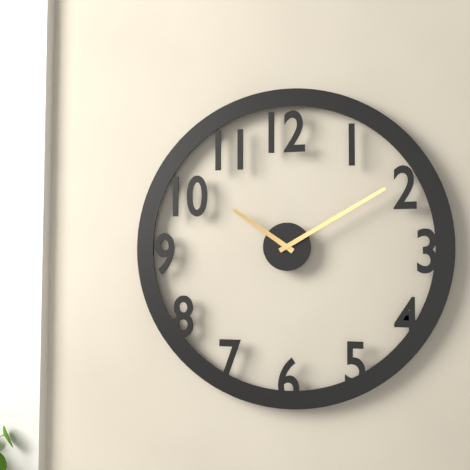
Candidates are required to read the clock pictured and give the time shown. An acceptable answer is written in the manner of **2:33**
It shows **10:10**
